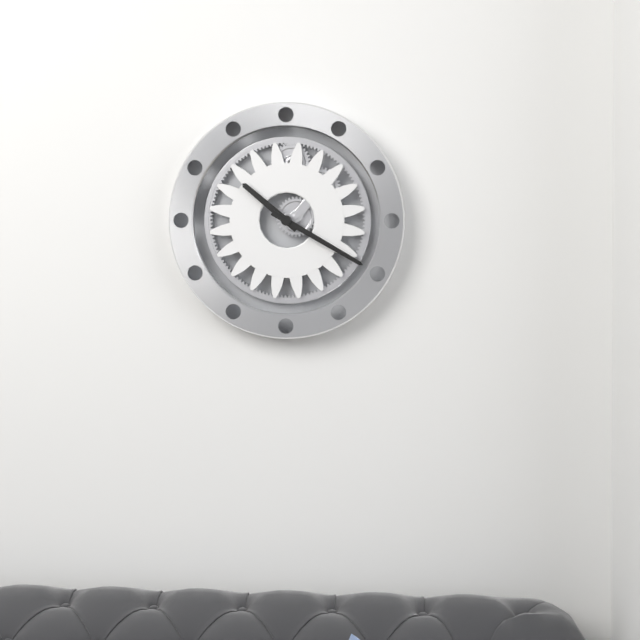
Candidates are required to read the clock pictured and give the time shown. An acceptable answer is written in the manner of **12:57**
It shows **10:20**
